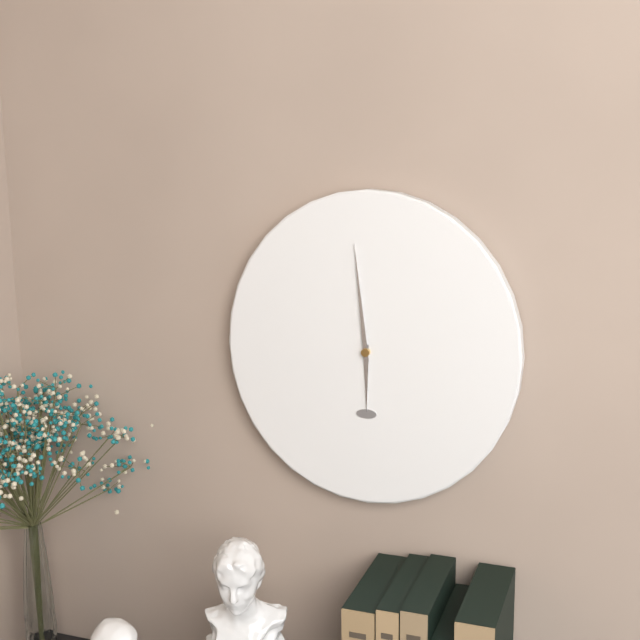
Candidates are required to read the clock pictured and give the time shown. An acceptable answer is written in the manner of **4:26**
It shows **5:59**
